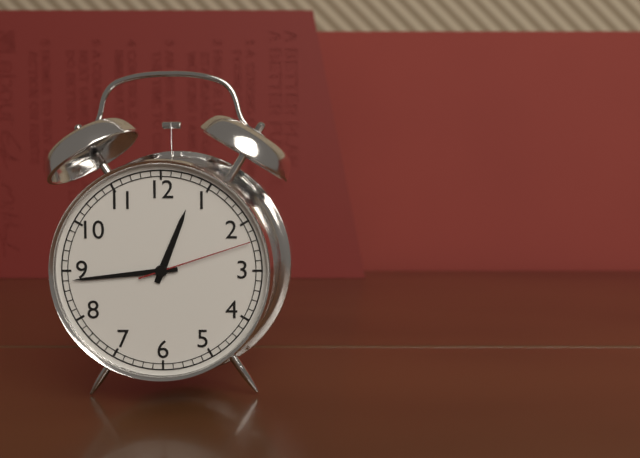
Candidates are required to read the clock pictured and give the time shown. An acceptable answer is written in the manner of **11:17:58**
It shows **12:44:12**
